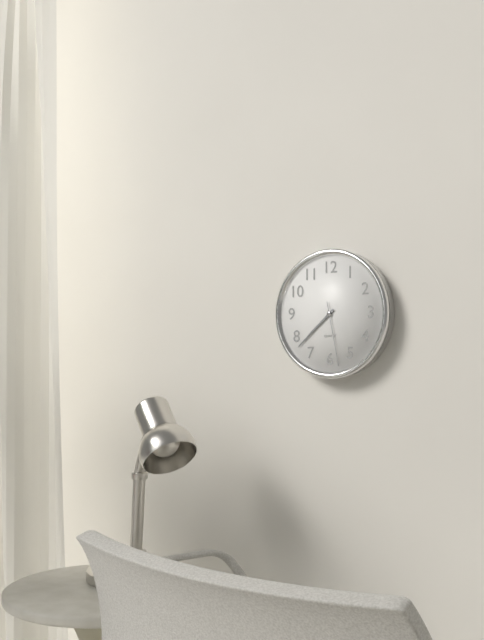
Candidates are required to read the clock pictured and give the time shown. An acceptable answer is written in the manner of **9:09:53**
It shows **7:38:28**
